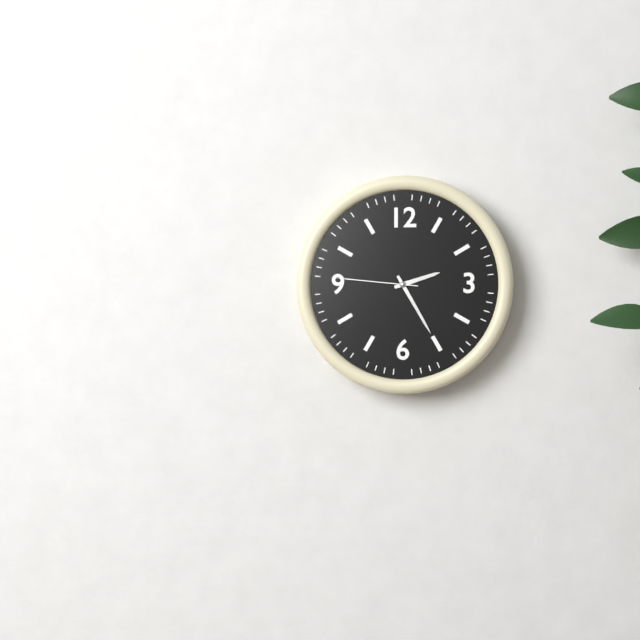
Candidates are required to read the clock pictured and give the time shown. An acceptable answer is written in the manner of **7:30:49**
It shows **2:25:46**
